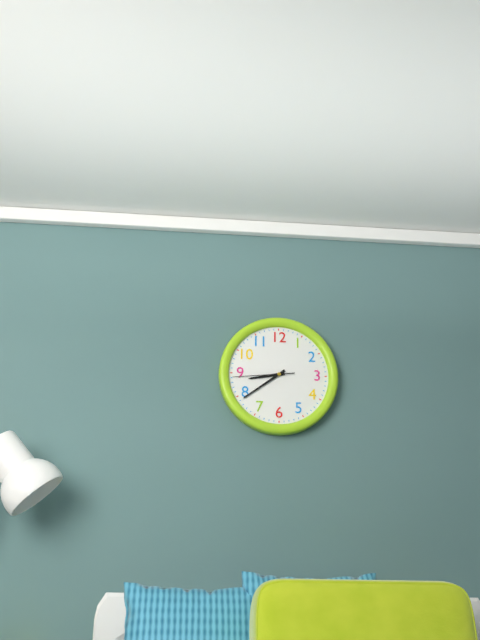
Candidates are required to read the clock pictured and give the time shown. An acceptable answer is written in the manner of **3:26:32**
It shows **8:39:44**
